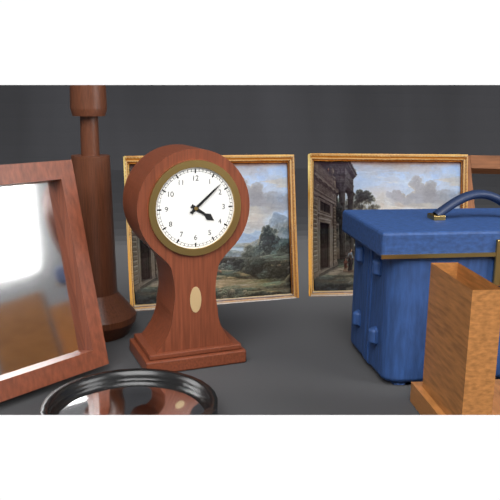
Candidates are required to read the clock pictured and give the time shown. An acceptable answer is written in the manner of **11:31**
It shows **4:08**
